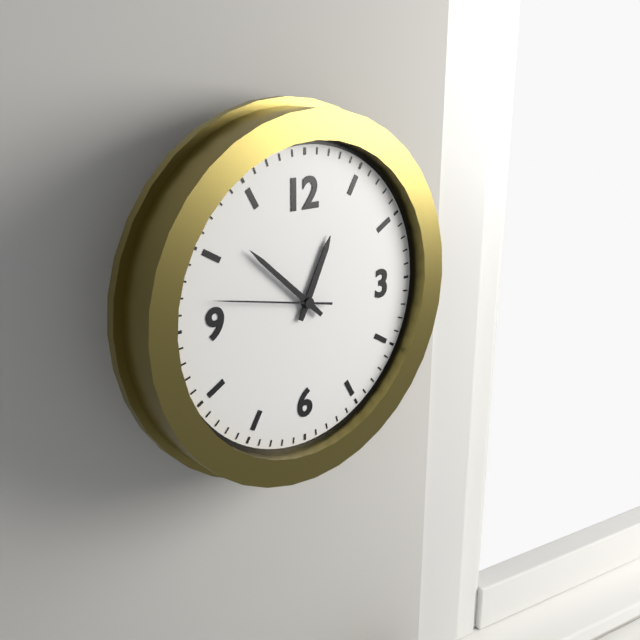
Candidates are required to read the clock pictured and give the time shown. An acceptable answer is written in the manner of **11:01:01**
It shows **12:52:47**
